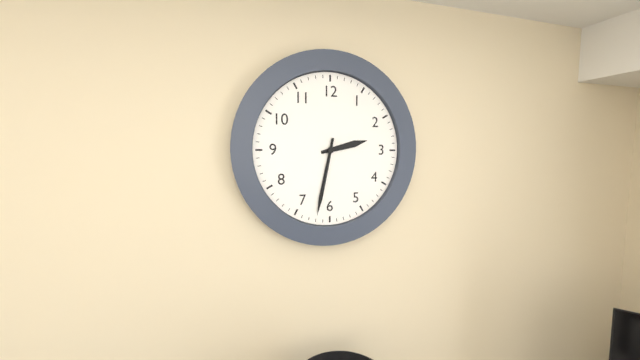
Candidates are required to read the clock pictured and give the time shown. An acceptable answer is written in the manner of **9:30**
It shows **2:32**
